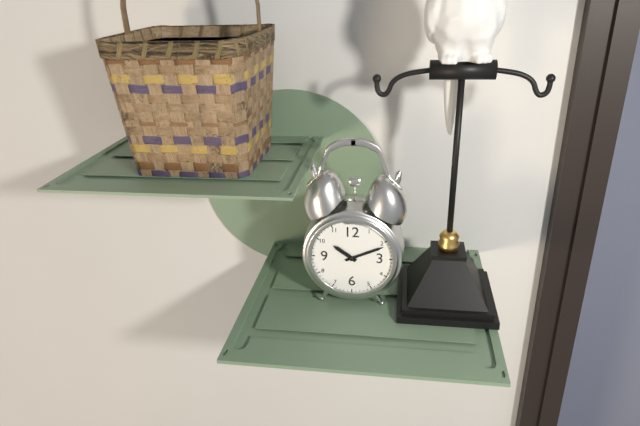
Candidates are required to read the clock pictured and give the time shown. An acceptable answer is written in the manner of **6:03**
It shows **10:11**
